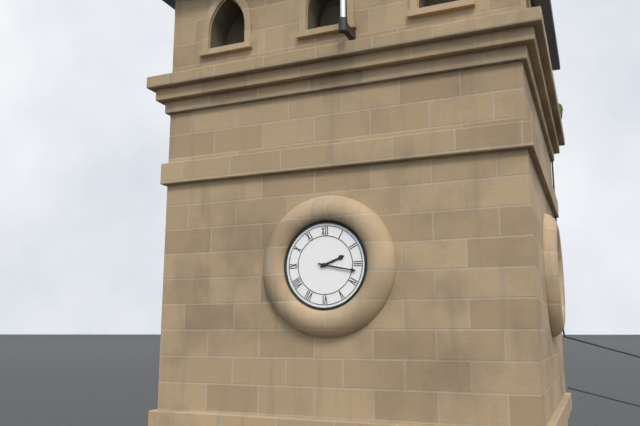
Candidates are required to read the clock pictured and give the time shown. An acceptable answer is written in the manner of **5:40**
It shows **2:17**
